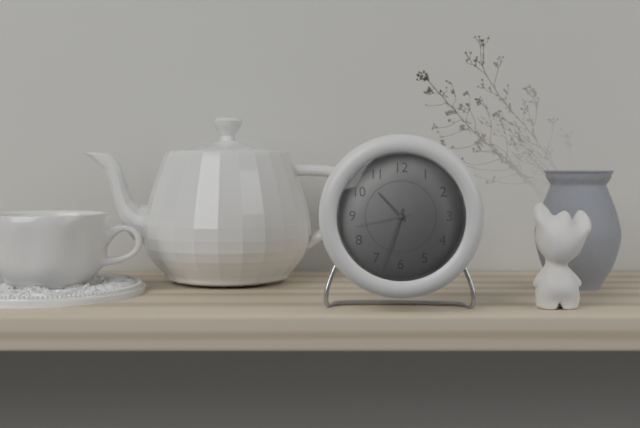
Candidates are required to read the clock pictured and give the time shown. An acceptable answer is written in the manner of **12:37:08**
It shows **10:33:43**
